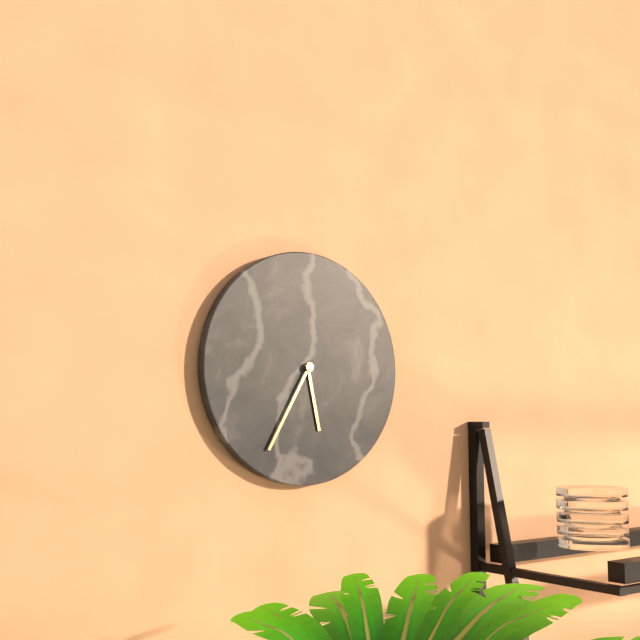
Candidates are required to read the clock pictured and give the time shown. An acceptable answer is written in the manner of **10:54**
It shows **5:35**
